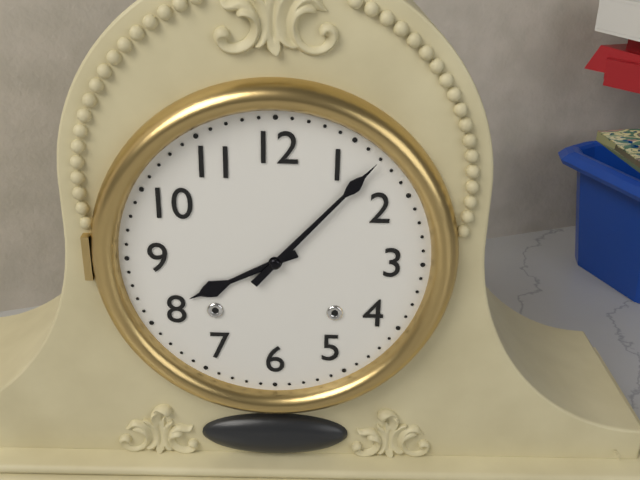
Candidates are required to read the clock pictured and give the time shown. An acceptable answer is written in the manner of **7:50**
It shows **8:07**
